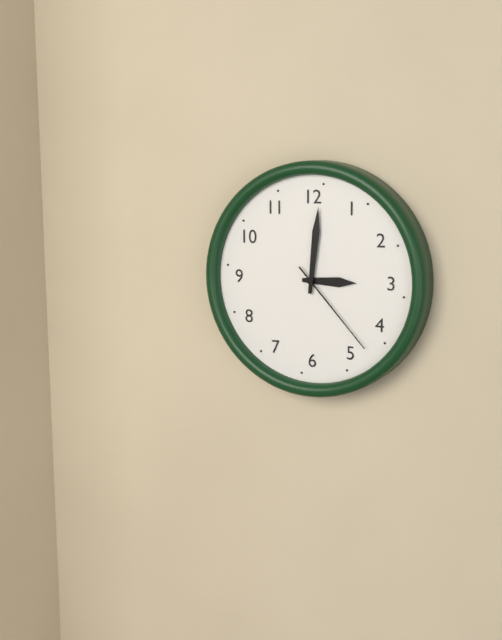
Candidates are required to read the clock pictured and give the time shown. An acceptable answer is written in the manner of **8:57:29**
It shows **3:01:23**
